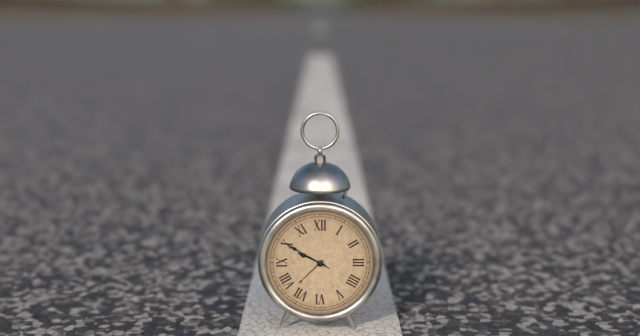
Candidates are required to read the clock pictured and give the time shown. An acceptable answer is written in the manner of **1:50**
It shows **9:50**
